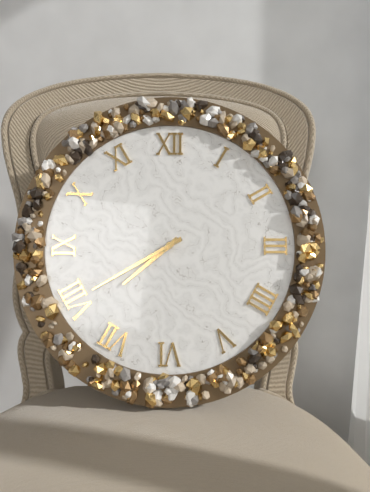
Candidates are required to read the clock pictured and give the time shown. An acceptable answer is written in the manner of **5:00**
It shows **7:40**
